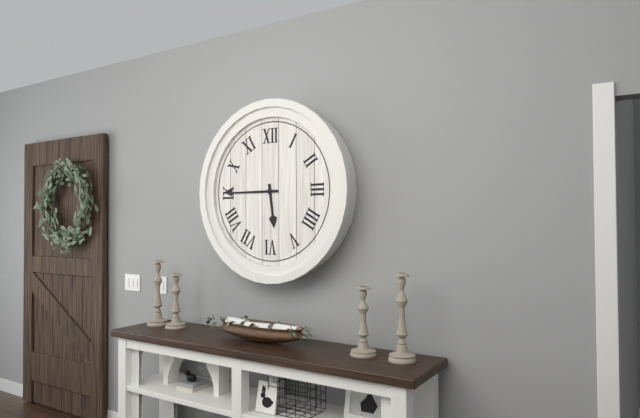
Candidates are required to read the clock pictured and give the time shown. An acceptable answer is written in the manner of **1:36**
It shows **5:45**
